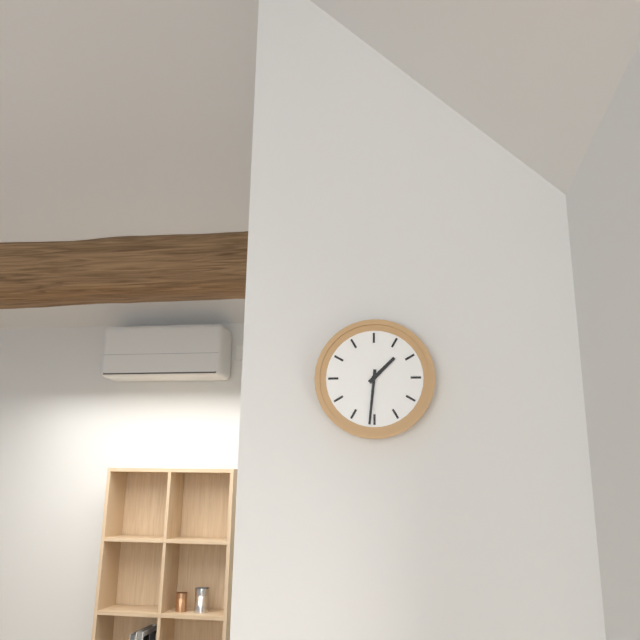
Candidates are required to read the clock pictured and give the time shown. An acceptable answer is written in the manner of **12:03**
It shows **1:31**
